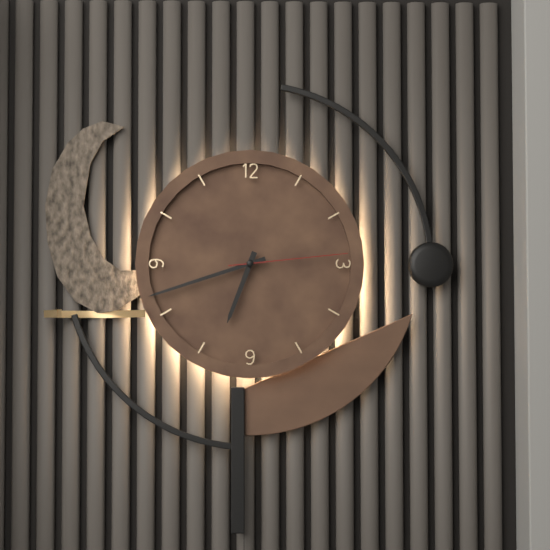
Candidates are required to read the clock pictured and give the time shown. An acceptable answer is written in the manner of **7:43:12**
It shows **6:42:14**
